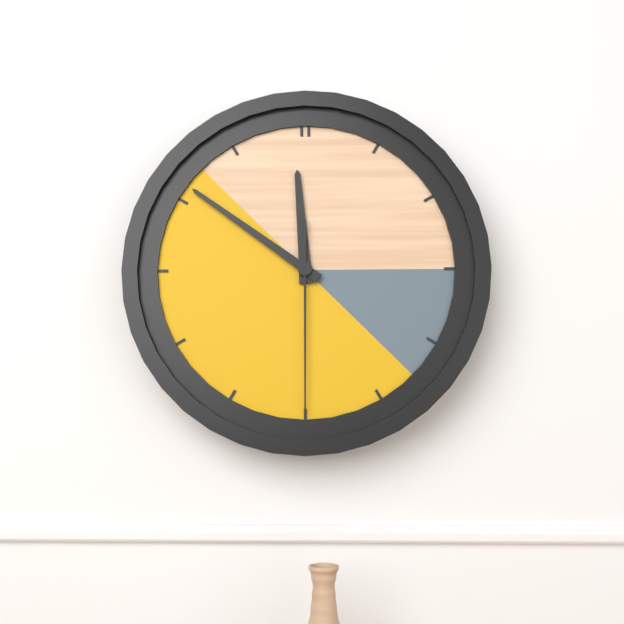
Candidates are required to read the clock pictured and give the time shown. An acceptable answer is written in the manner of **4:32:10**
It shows **11:51:30**
